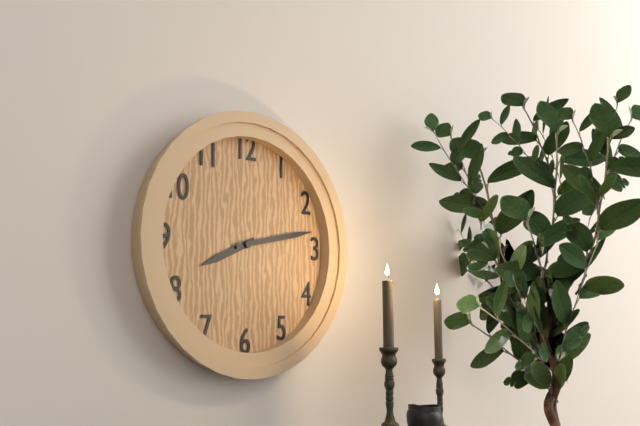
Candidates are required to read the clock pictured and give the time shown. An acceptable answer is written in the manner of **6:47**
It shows **8:13**
